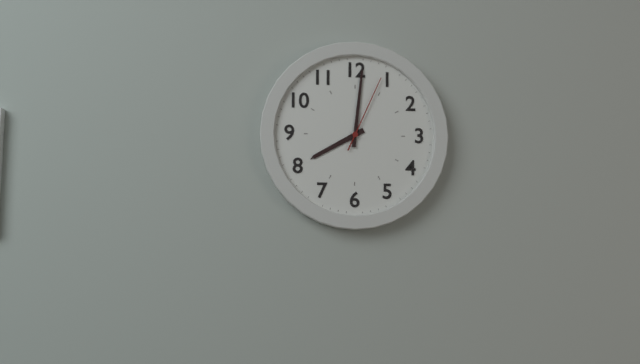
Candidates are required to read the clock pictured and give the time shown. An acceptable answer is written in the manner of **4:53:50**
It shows **8:01:04**
